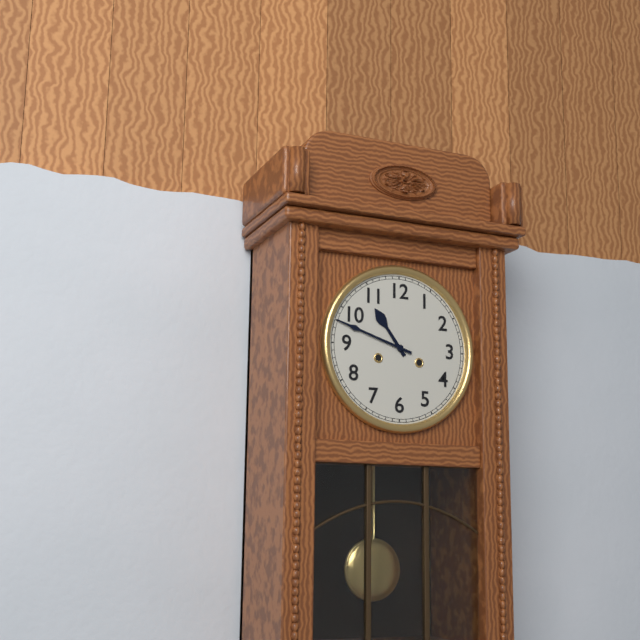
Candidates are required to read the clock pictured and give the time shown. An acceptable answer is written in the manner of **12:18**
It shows **10:48**
